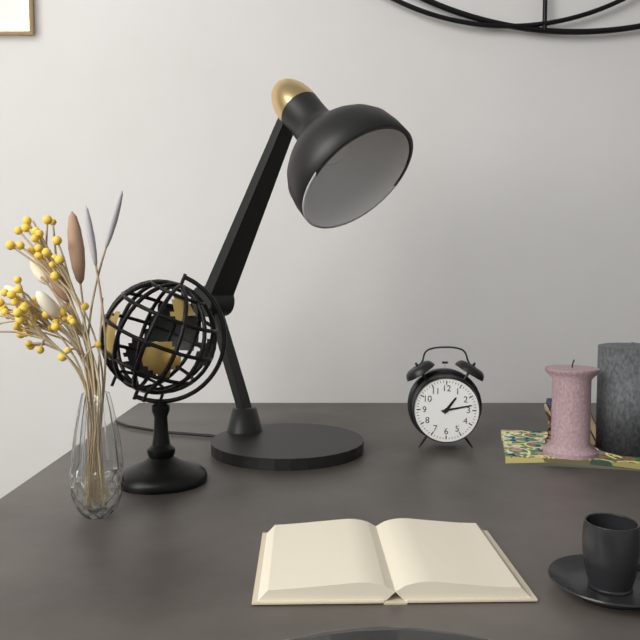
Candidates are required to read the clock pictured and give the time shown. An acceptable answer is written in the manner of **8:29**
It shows **1:13**
